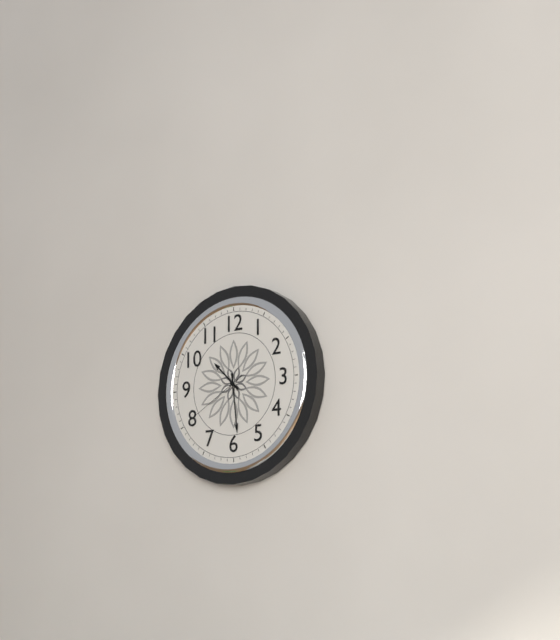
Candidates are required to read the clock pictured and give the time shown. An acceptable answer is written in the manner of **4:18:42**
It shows **10:29:40**
